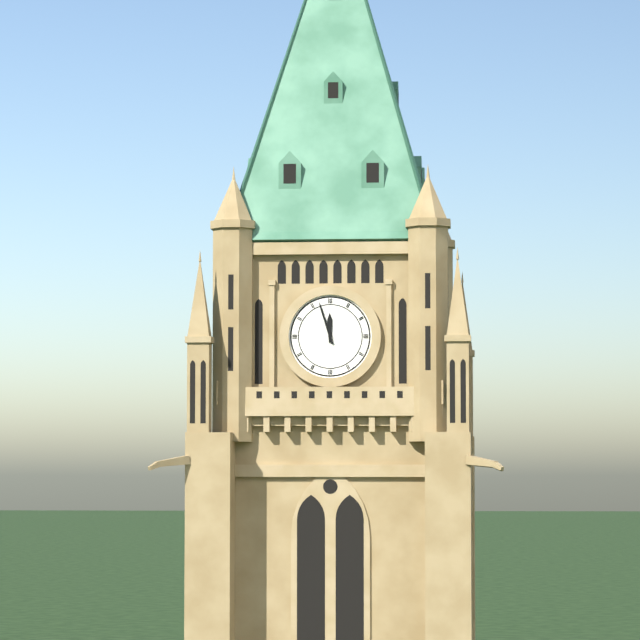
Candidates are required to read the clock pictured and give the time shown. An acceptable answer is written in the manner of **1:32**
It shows **11:57**
